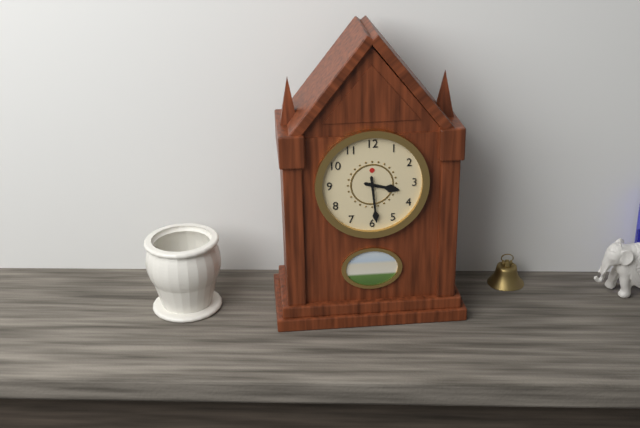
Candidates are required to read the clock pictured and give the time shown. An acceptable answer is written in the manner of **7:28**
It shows **3:29**
